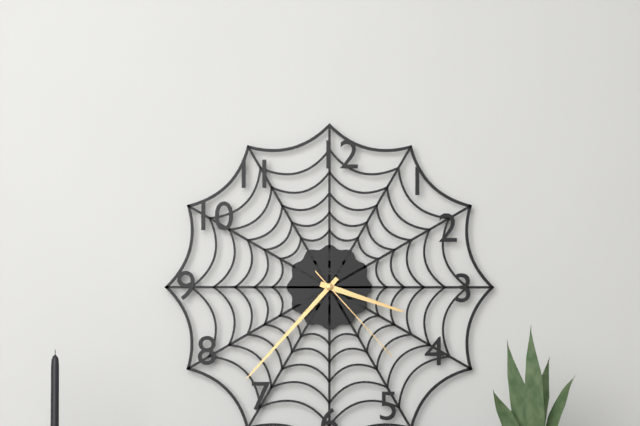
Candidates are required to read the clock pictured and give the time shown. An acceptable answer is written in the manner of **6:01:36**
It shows **3:37:23**
